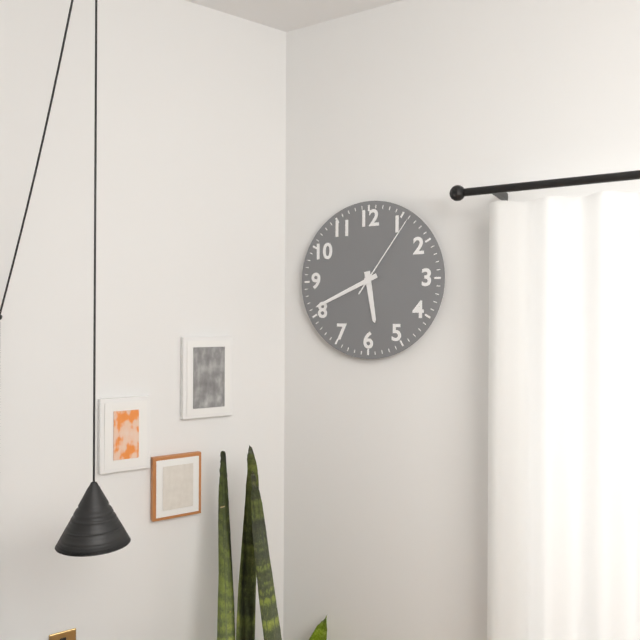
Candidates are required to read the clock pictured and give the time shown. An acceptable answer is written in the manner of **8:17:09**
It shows **5:41:06**
